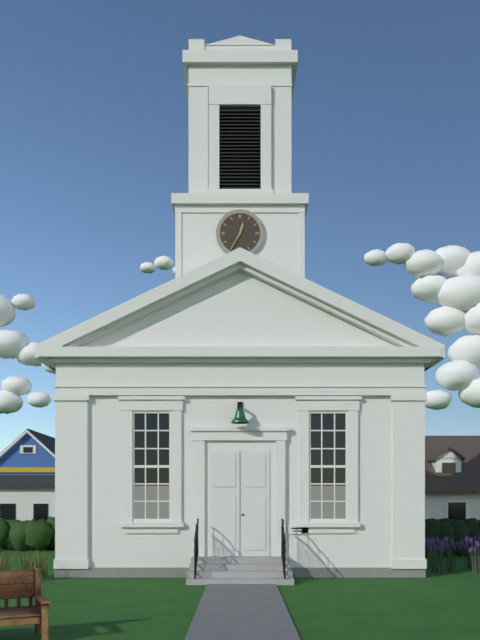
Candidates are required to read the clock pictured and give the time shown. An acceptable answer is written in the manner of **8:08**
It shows **12:35**
